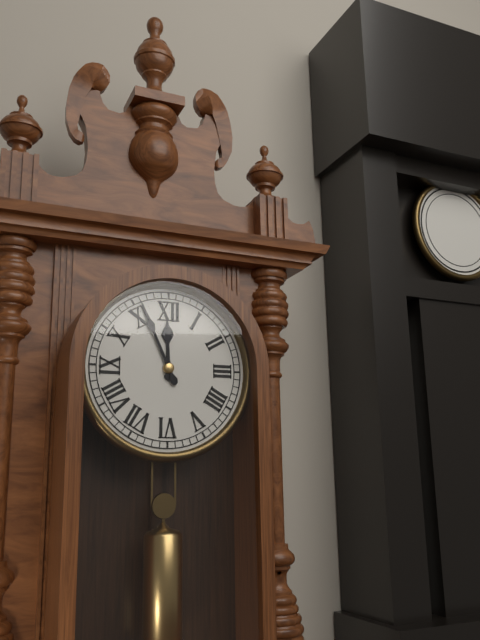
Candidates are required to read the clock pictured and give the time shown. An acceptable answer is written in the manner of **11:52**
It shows **11:56**
